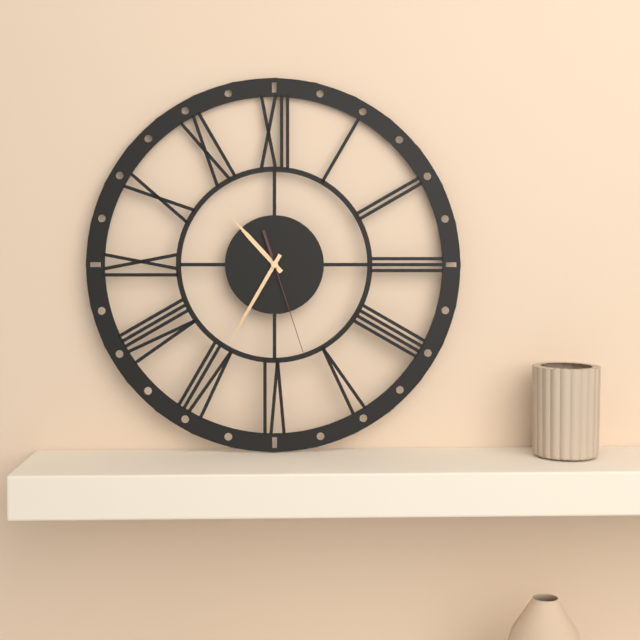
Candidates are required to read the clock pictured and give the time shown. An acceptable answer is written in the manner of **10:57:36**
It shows **10:35:27**
